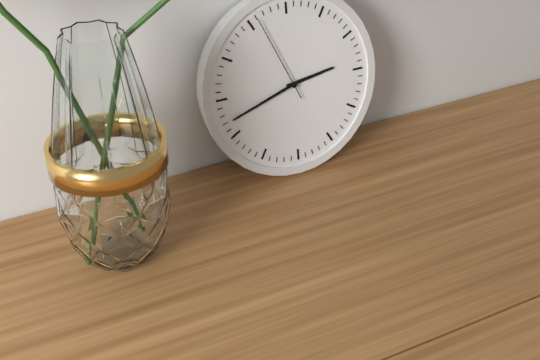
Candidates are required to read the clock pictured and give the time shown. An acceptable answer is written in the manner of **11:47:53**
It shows **2:42:56**
